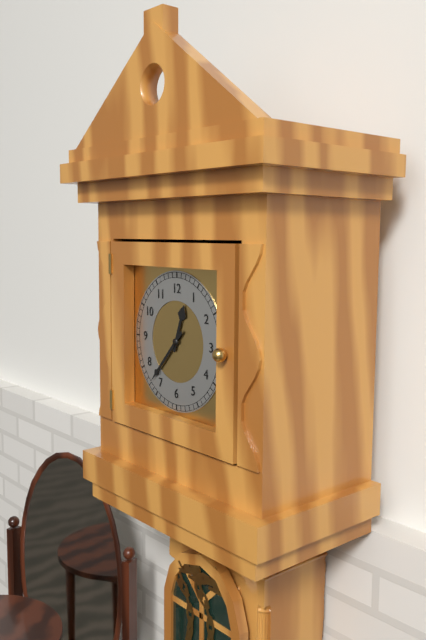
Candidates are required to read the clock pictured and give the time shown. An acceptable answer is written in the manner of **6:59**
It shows **12:37**
